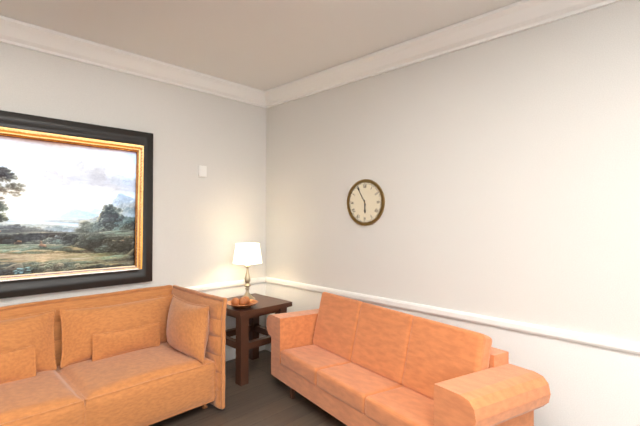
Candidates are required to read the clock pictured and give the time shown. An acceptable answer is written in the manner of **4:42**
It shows **5:55**
